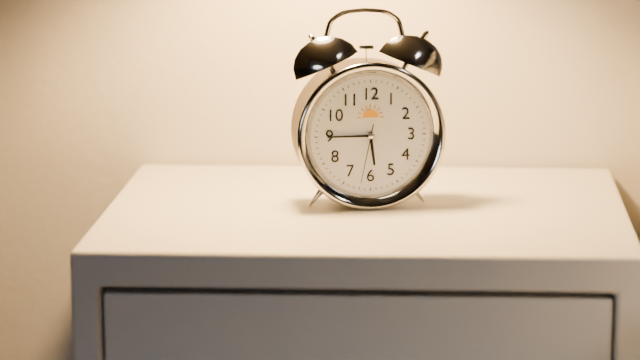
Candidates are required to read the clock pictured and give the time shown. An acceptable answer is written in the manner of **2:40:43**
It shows **5:45:32**
